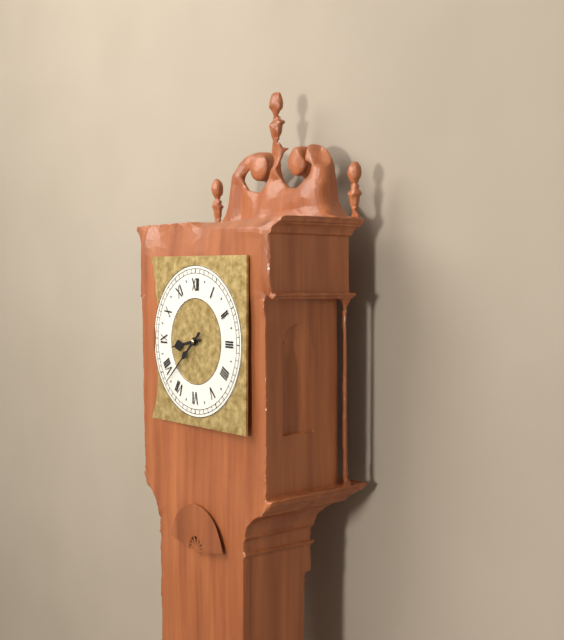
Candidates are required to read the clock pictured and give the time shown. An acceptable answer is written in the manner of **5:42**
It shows **8:38**
